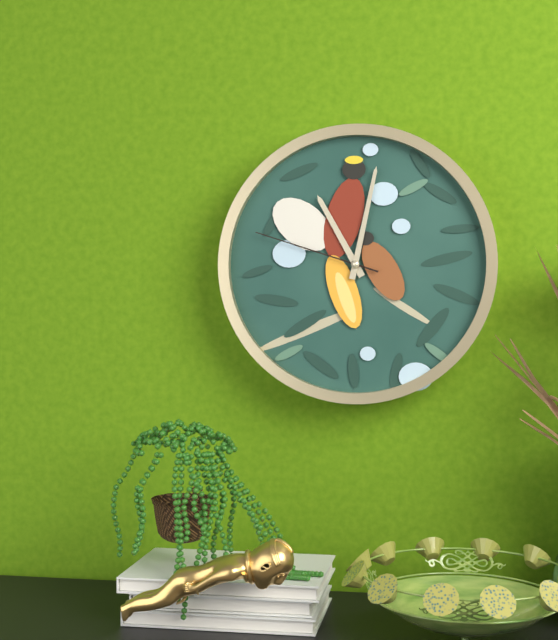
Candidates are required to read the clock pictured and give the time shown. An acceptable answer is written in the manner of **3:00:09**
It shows **11:02:48**
